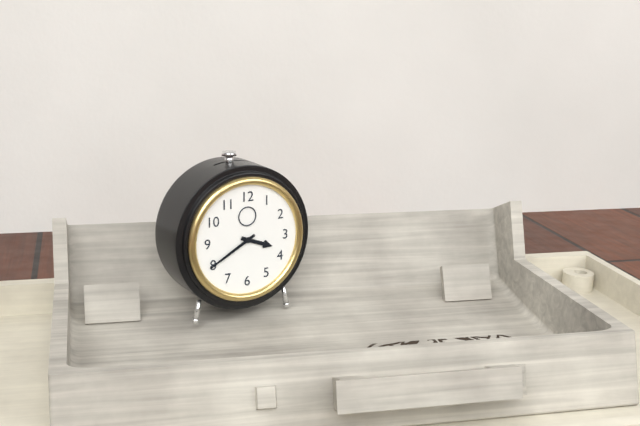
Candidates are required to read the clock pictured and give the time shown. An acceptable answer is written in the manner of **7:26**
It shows **3:40**
